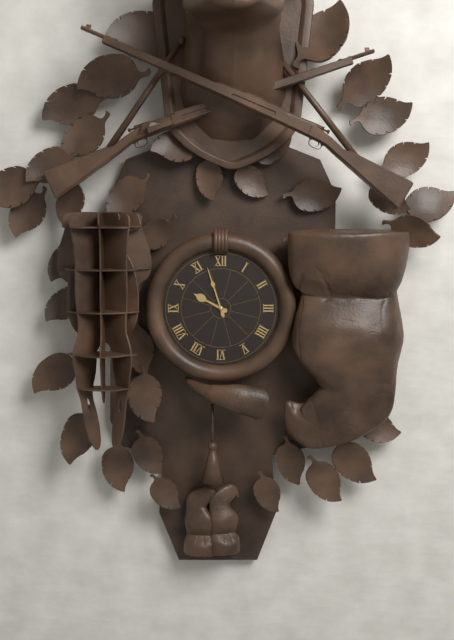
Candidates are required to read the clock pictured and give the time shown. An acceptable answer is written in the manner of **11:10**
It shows **9:57**
